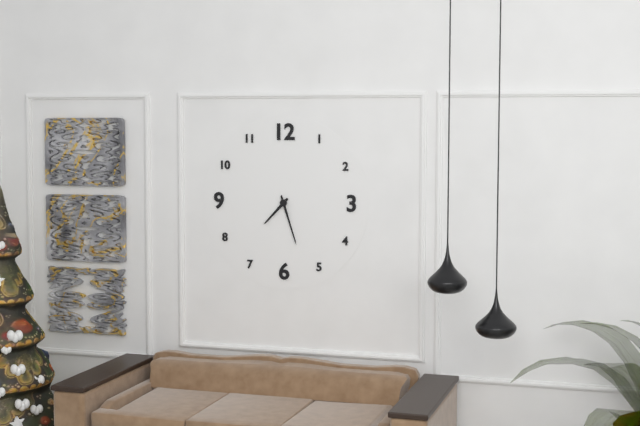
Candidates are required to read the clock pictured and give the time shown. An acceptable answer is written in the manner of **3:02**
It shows **7:27**
